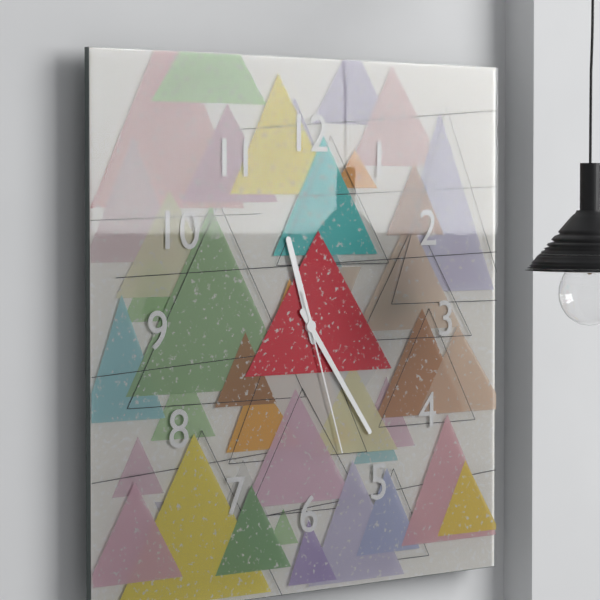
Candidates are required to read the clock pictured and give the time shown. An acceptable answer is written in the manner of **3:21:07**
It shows **11:24:27**
